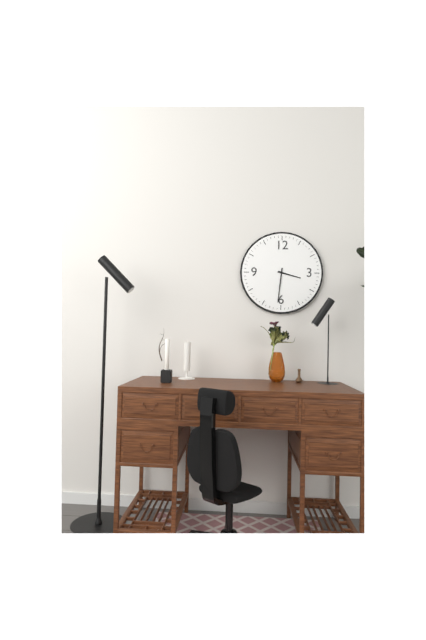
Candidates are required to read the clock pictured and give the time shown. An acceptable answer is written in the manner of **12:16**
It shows **3:31**
